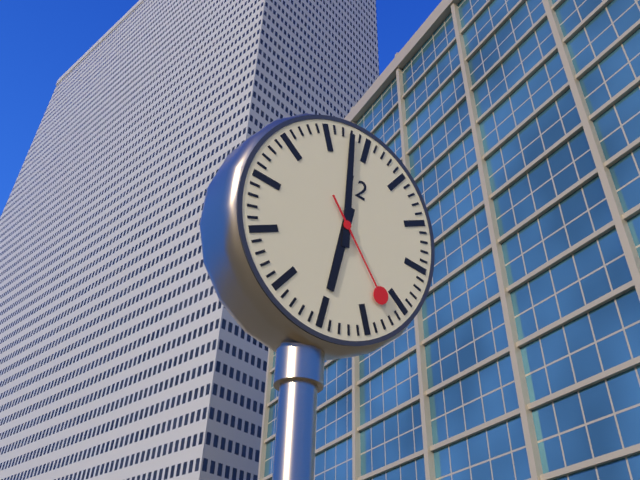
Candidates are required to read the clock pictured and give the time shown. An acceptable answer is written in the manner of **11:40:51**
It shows **5:58:22**
